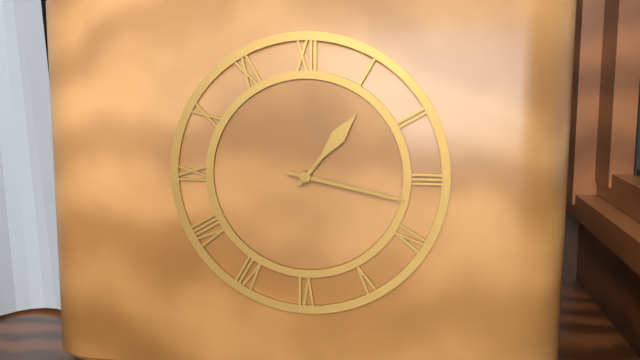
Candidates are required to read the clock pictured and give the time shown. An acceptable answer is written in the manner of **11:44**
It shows **1:17**
